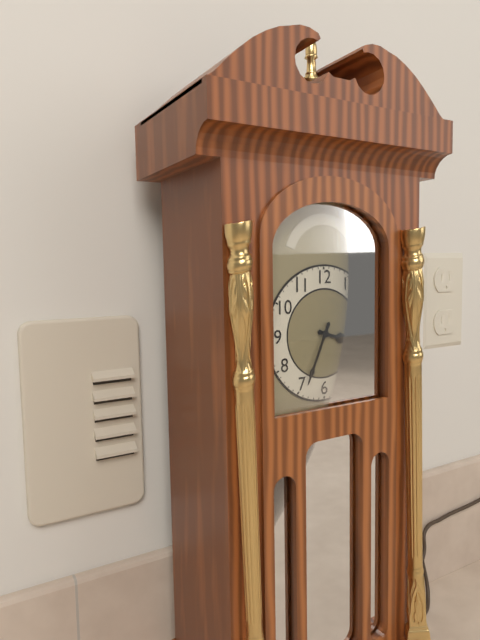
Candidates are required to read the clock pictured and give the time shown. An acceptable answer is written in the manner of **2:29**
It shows **3:34**
